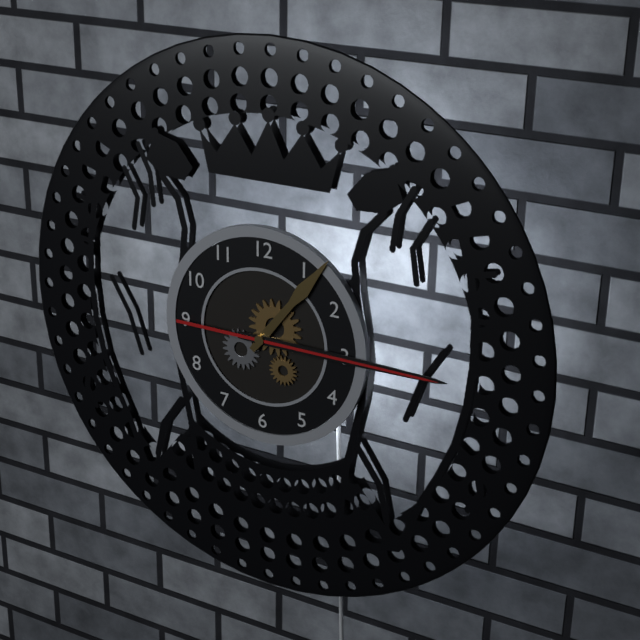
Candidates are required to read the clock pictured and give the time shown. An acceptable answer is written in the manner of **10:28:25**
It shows **1:15:15**
